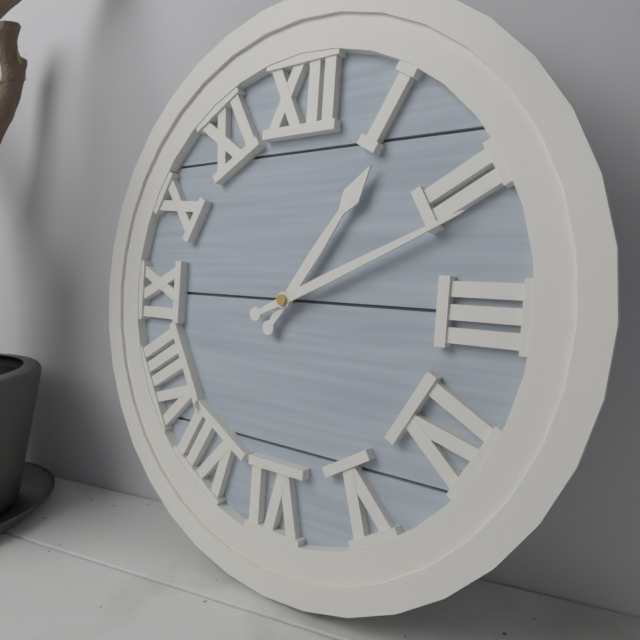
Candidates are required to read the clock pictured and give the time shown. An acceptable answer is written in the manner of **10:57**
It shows **1:11**
